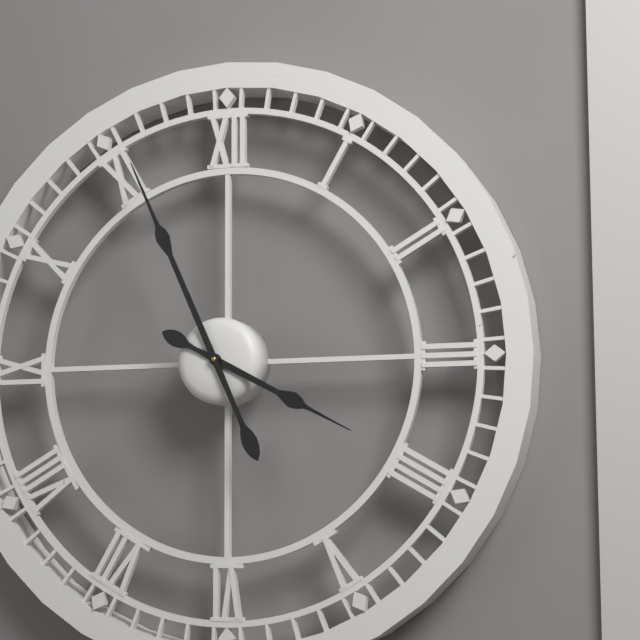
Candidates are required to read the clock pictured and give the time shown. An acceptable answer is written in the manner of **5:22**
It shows **3:56**
